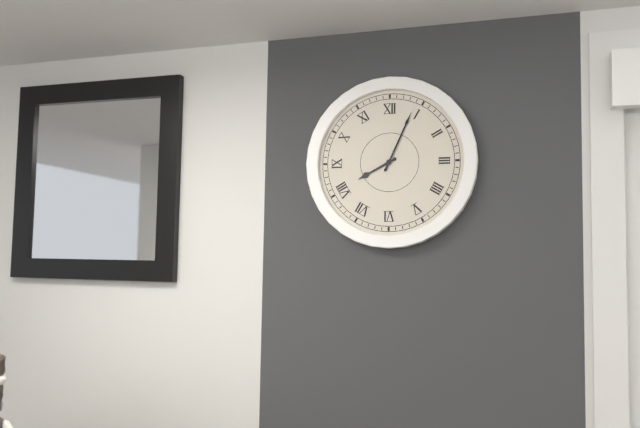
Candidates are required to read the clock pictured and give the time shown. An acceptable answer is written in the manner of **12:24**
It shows **8:04**
